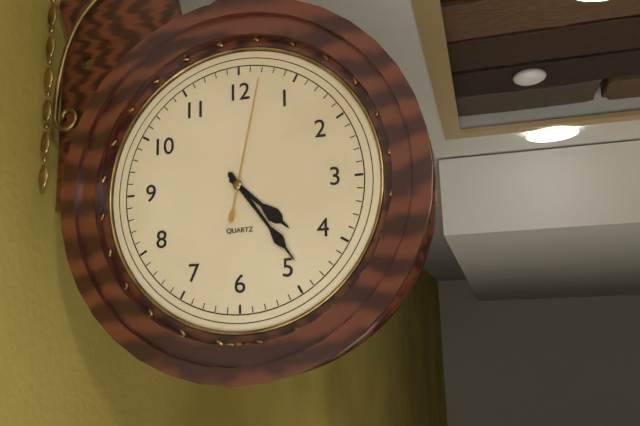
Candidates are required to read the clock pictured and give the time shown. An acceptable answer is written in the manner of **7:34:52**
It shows **4:24:02**
